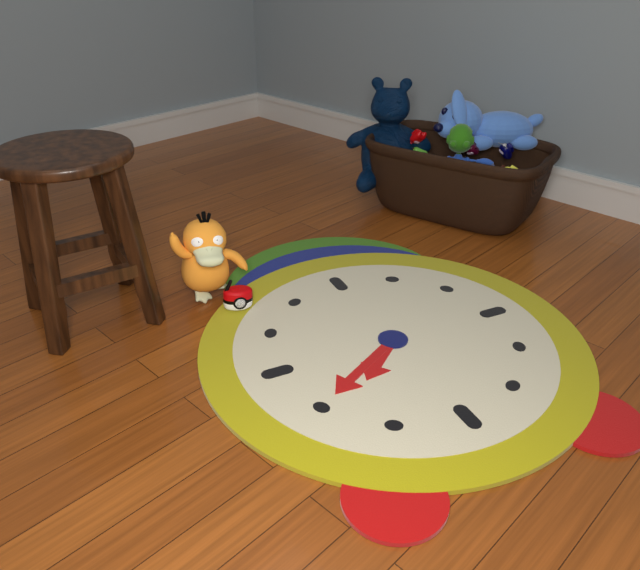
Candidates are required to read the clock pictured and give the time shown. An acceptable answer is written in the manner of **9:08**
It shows **7:40**
